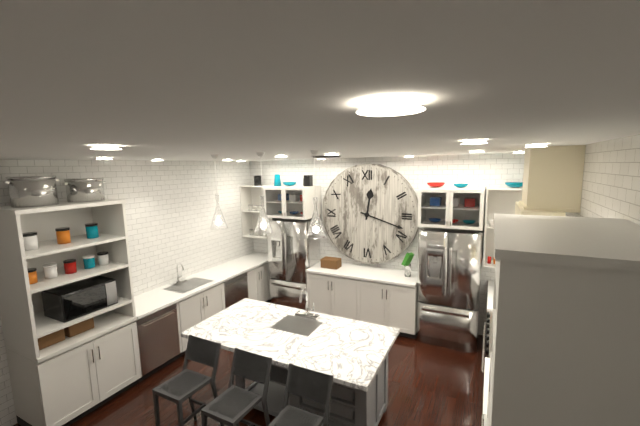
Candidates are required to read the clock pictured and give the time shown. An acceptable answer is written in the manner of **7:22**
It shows **12:18**
